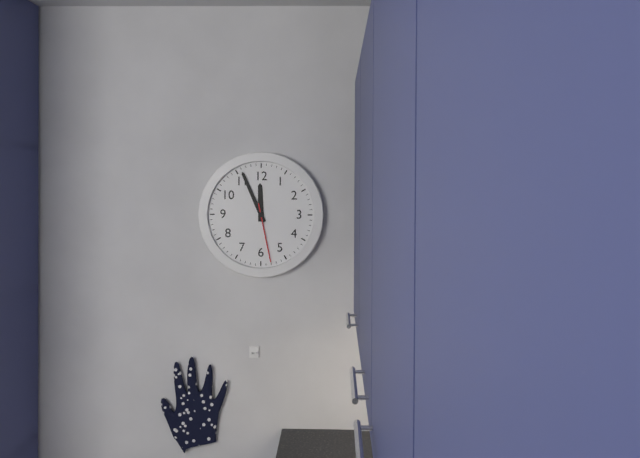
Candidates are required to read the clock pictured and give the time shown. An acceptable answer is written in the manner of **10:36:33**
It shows **11:56:28**
